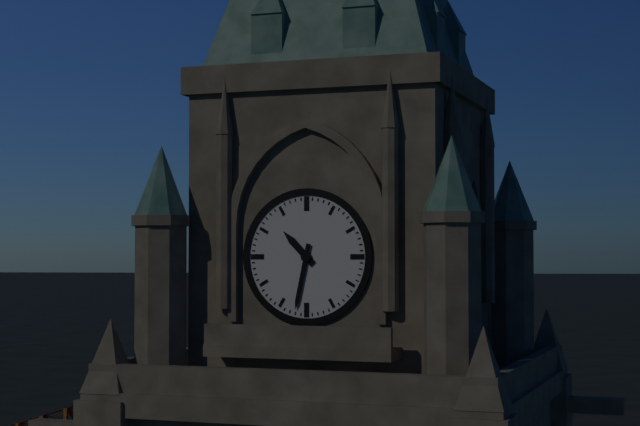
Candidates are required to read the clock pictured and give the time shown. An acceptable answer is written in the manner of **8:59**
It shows **10:32**
